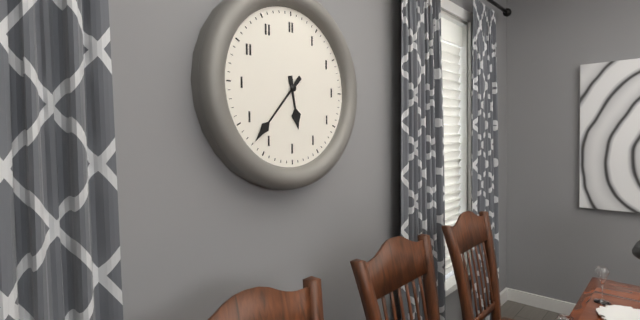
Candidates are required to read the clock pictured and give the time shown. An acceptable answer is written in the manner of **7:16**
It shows **5:37**
